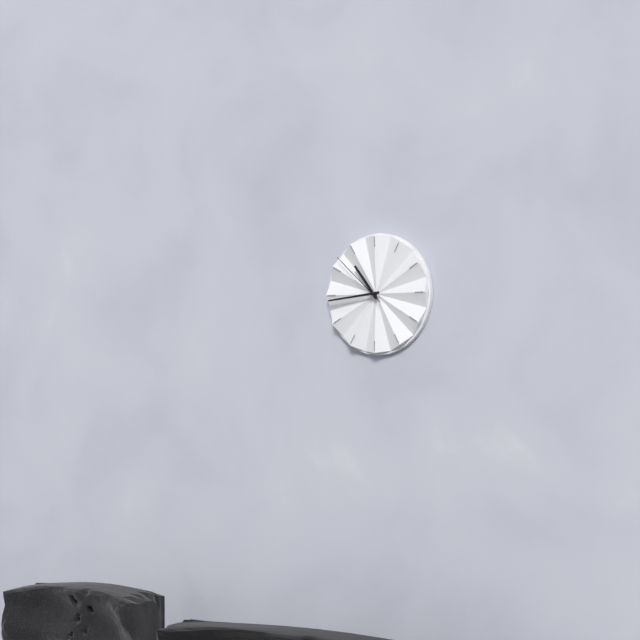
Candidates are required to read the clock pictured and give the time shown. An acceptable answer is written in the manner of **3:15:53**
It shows **10:44:52**
